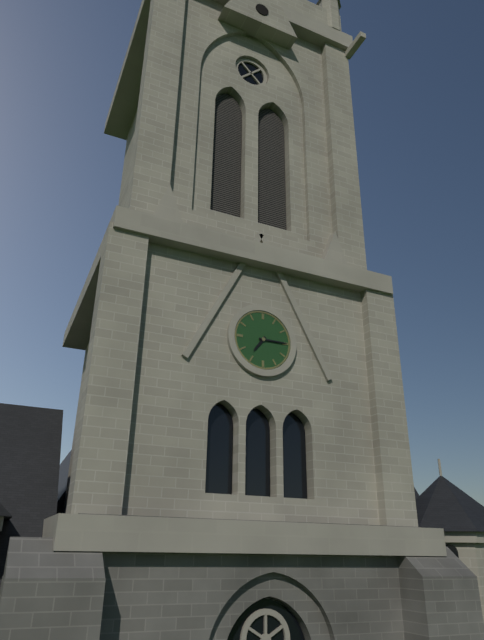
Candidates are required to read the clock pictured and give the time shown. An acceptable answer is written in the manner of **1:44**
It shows **7:15**
